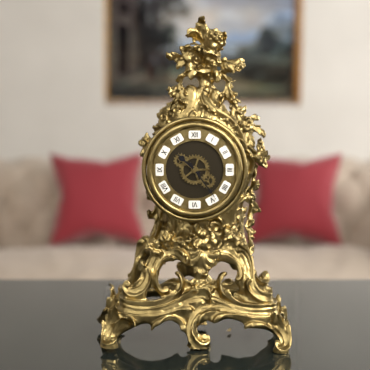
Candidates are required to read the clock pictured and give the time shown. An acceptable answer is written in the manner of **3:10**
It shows **10:24**
